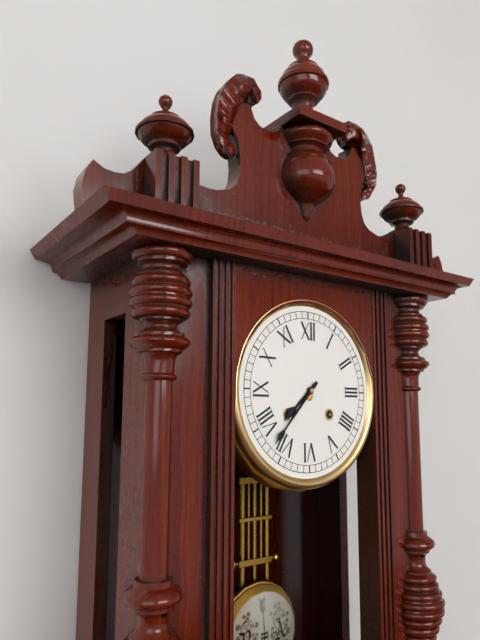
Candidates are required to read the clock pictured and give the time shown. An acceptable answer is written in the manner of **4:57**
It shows **7:37**
